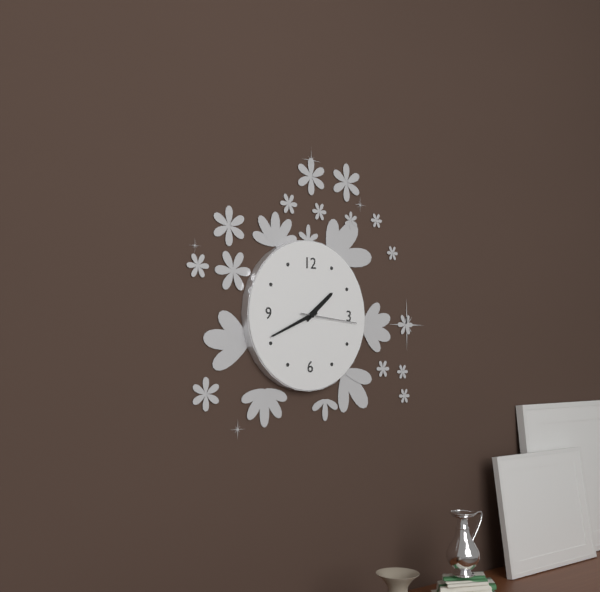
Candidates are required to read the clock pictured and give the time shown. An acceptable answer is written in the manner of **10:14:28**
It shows **1:41:16**
